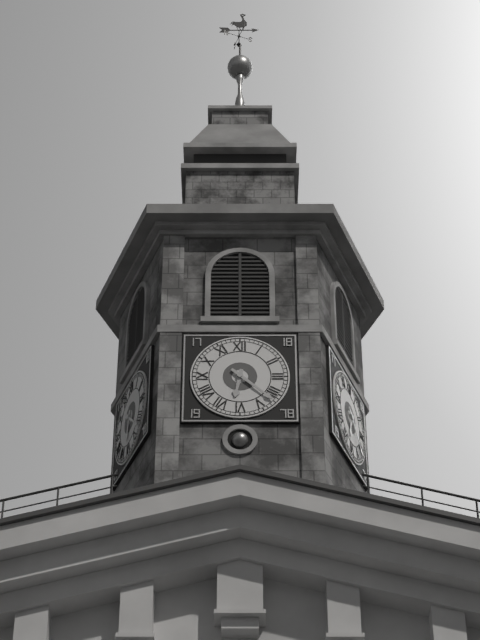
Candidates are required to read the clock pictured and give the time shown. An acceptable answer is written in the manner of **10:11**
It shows **6:22**
